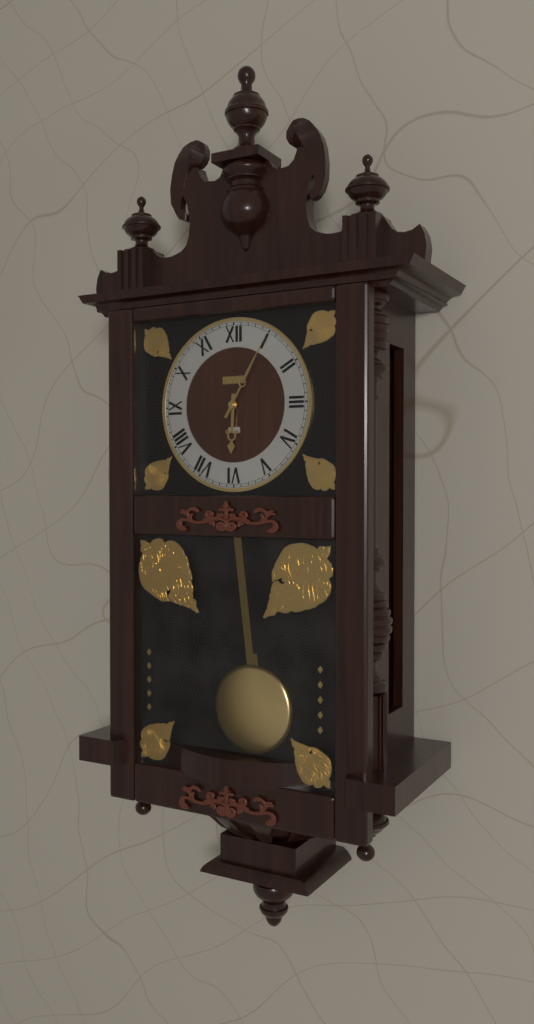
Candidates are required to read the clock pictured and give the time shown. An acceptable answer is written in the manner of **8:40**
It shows **6:05**
